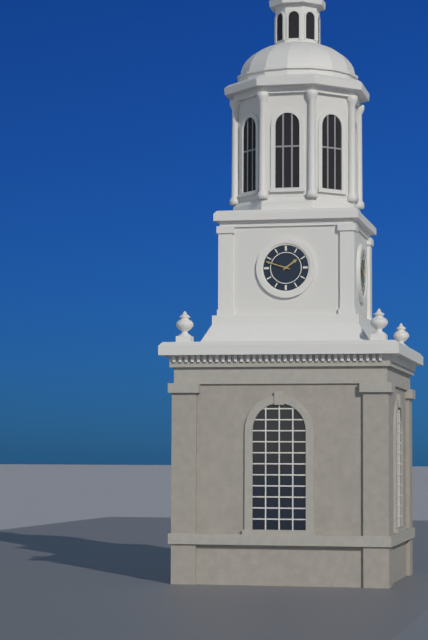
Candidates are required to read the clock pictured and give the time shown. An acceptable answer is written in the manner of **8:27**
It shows **1:48**
